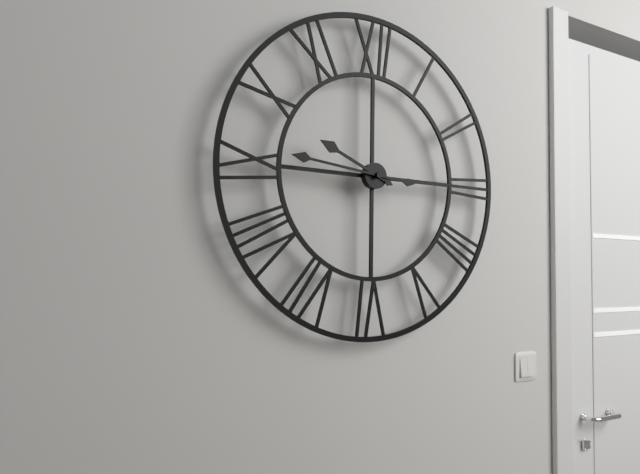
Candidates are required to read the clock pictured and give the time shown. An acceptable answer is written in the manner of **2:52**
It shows **9:46**
